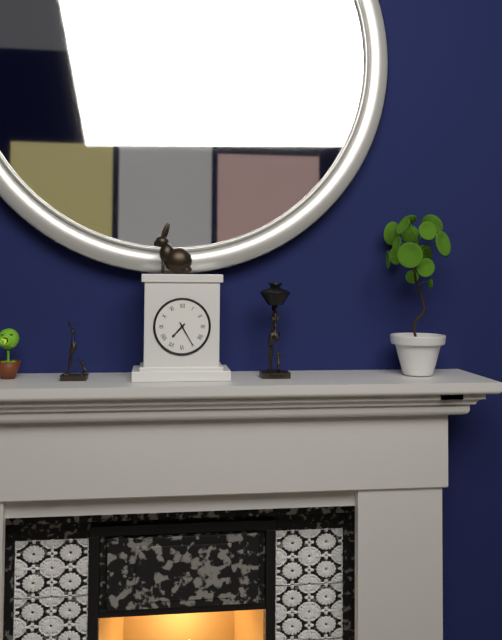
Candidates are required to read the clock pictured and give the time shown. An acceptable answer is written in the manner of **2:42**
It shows **7:25**
